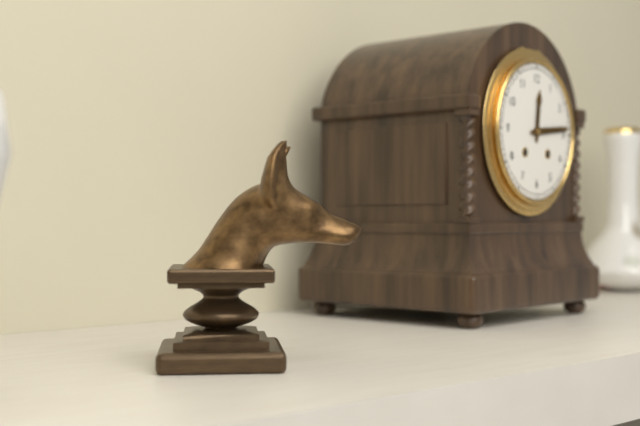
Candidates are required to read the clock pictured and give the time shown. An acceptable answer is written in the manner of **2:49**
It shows **12:14**
